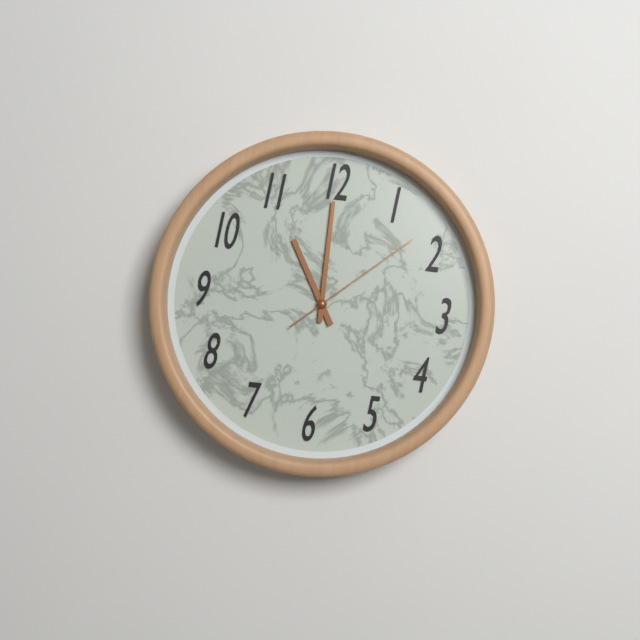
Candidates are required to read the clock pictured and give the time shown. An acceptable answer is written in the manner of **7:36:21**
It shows **11:00:08**
